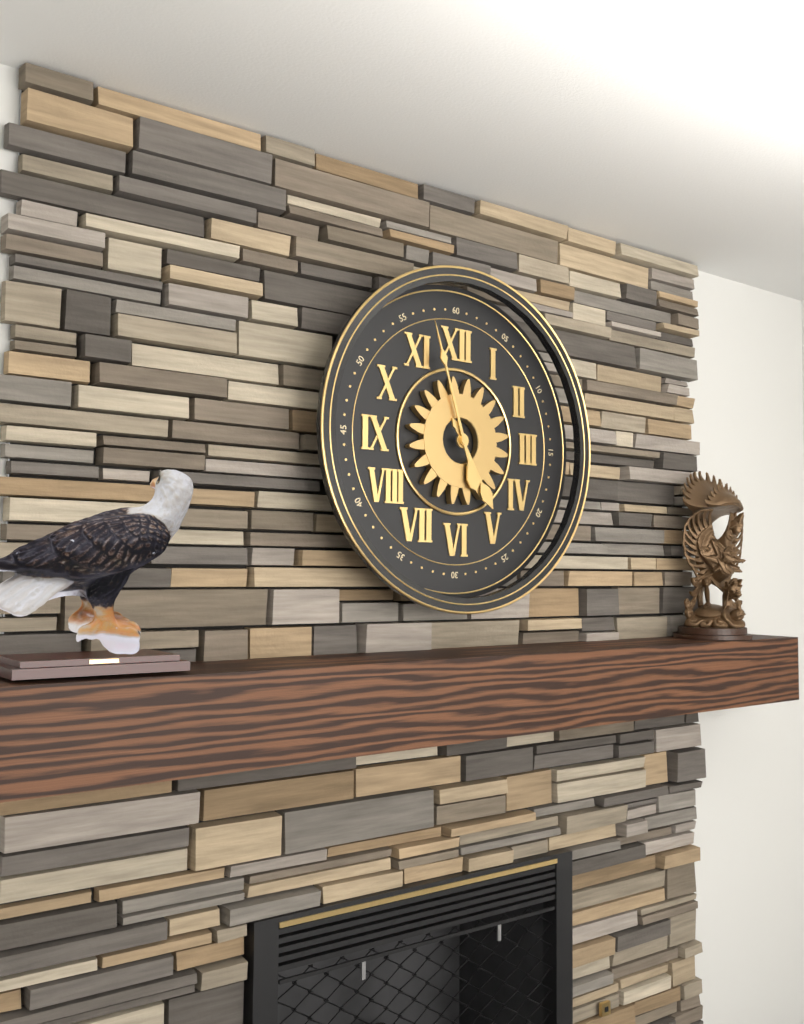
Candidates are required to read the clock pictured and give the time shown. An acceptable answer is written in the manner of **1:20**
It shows **4:57**
